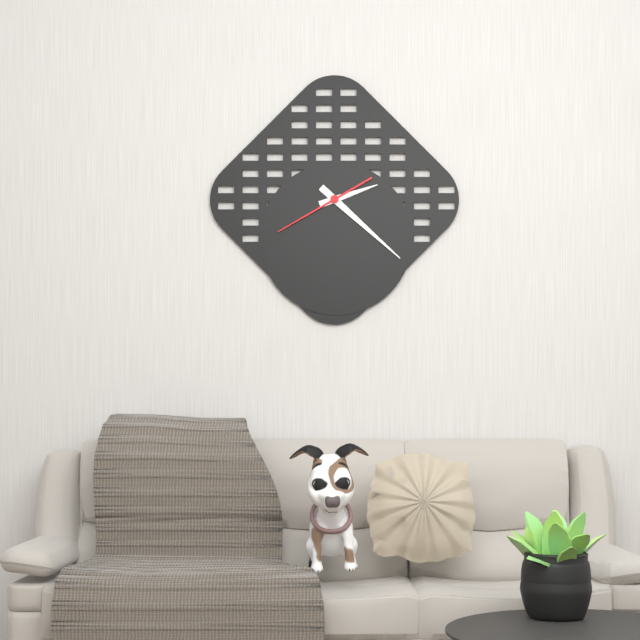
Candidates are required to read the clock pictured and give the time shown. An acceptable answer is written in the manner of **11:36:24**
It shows **2:22:40**
